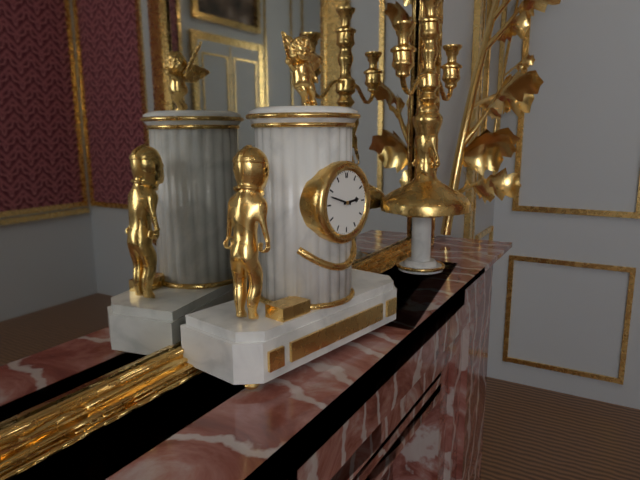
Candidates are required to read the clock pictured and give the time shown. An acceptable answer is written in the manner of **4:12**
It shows **2:48**
